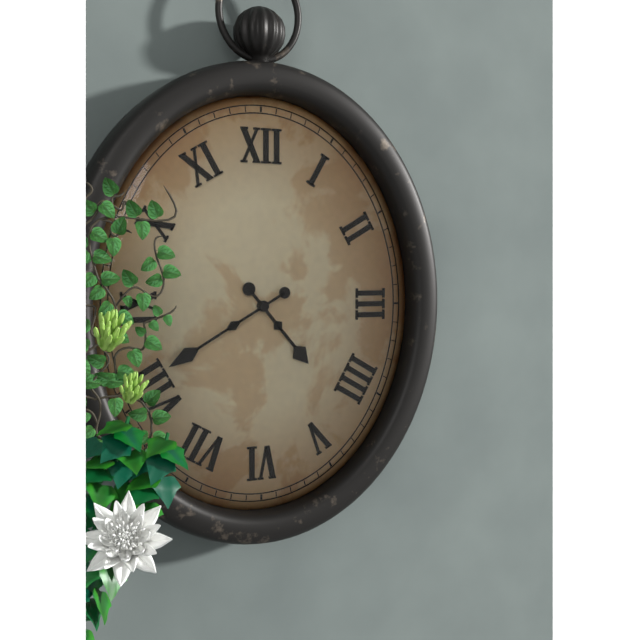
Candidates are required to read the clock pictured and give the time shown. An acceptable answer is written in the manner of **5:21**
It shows **4:40**
